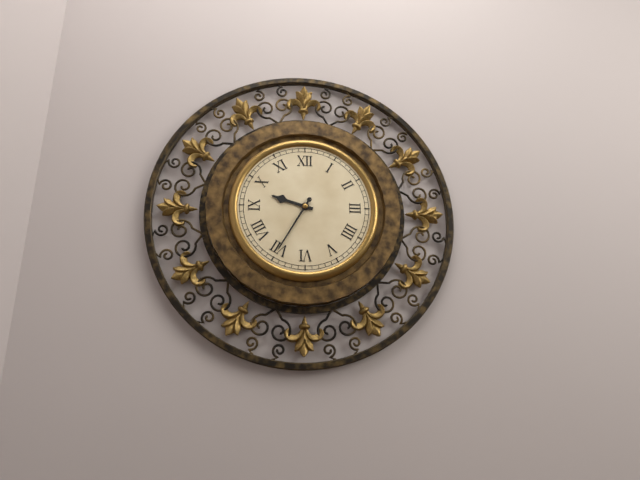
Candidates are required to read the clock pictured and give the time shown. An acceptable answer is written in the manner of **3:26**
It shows **9:35**
